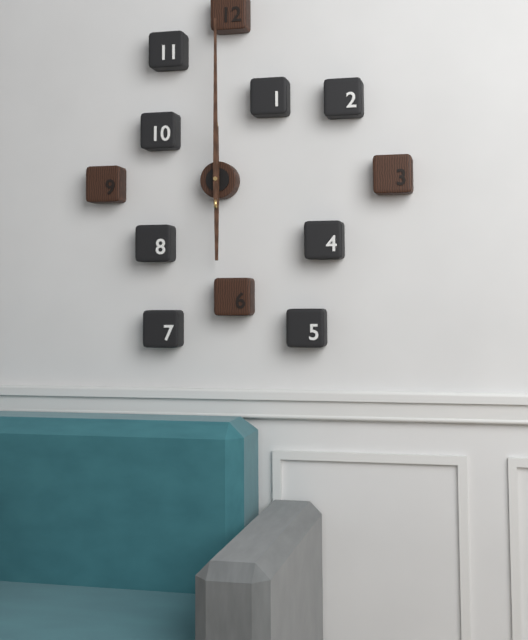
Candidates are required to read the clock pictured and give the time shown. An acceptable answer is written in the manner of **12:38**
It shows **6:00**
